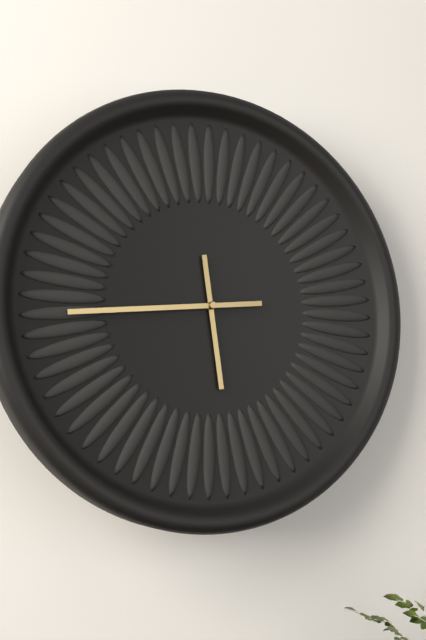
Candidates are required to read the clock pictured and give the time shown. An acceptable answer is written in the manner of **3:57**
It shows **5:44**
